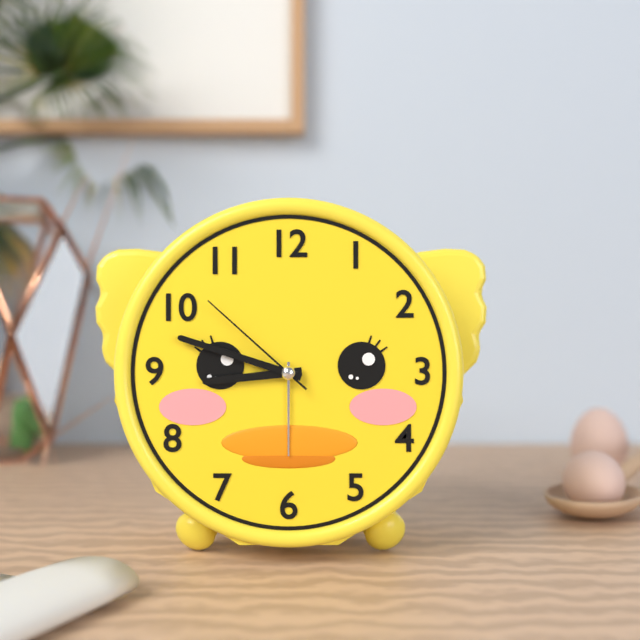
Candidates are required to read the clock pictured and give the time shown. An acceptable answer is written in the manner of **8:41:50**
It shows **8:48:52**
